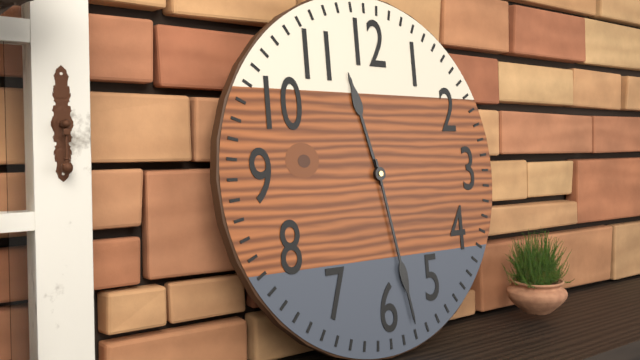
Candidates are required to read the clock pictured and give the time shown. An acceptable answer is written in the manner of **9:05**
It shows **11:28**
